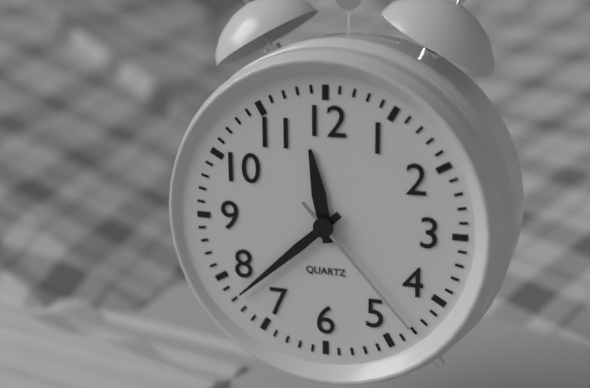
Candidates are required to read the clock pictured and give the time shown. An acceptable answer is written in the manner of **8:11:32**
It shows **11:38:23**
